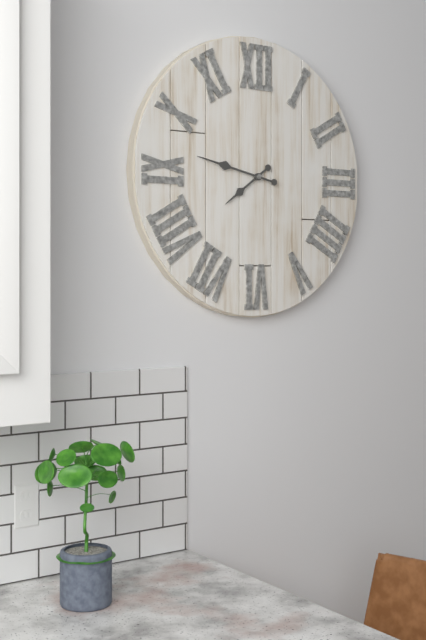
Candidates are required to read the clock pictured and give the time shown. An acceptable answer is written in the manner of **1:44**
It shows **7:47**
